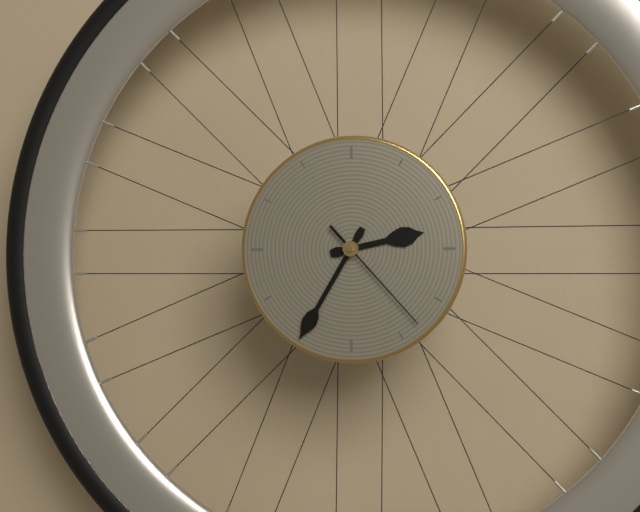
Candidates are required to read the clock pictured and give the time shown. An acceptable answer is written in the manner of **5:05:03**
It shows **2:35:23**
